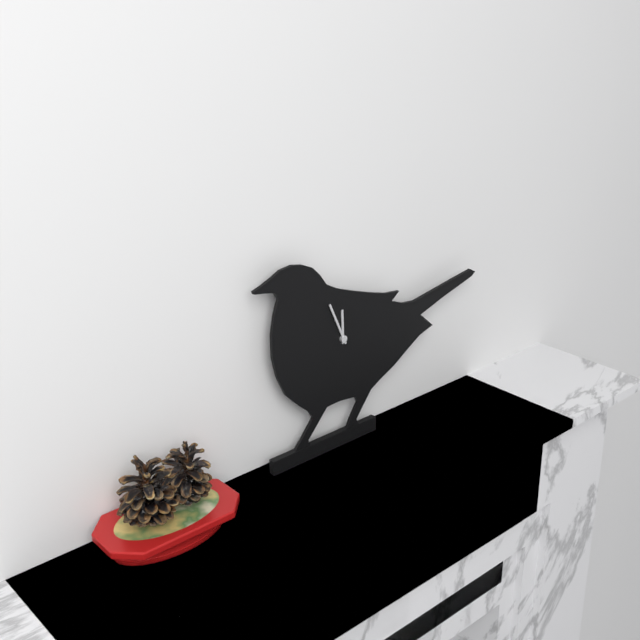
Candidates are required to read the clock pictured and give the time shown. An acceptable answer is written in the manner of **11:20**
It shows **11:56**
